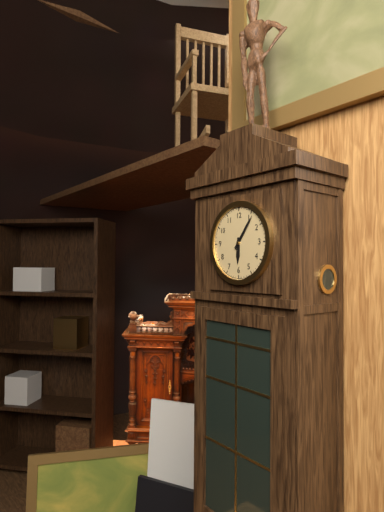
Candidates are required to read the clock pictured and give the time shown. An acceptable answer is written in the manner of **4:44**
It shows **6:06**
